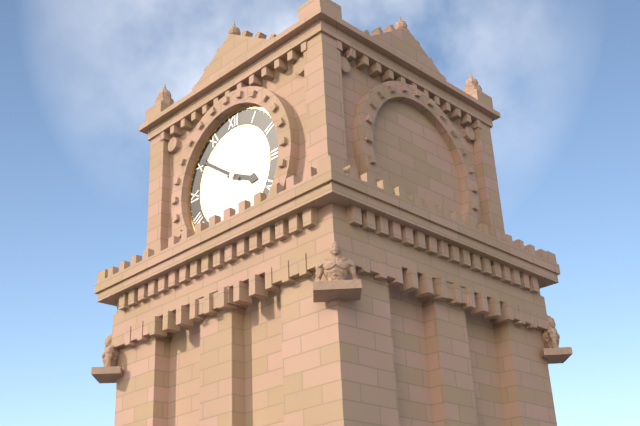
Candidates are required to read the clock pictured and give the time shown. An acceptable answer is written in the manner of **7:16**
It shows **3:51**
